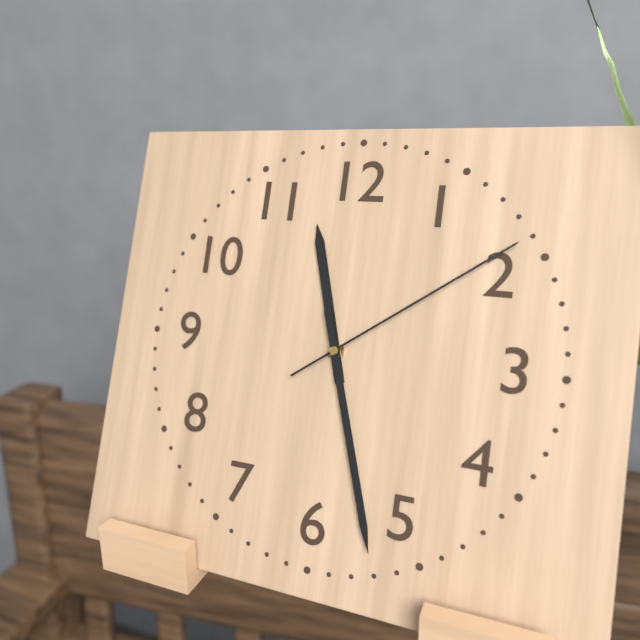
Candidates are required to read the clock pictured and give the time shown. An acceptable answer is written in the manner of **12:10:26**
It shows **11:27:09**
